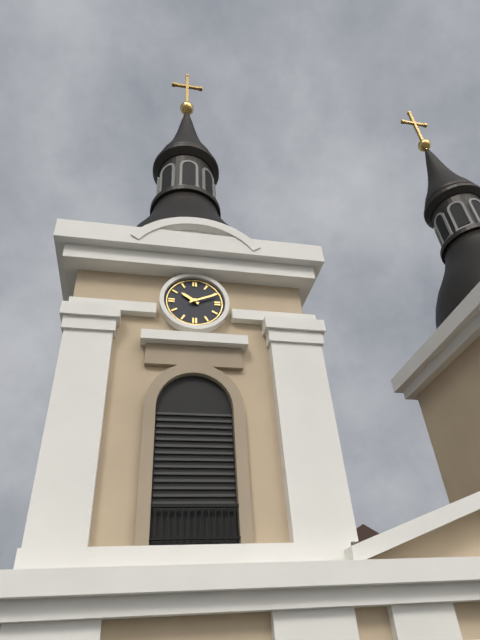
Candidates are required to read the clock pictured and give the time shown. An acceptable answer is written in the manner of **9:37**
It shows **10:11**
